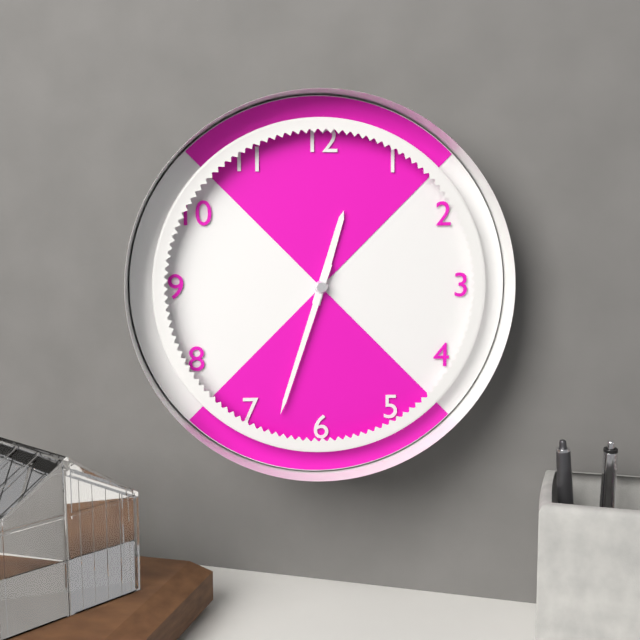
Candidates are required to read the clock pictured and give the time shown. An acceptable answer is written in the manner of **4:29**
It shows **12:33**
